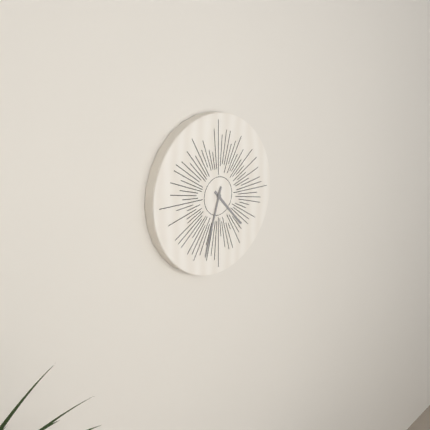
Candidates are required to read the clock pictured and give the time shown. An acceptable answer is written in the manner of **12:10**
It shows **4:33**
